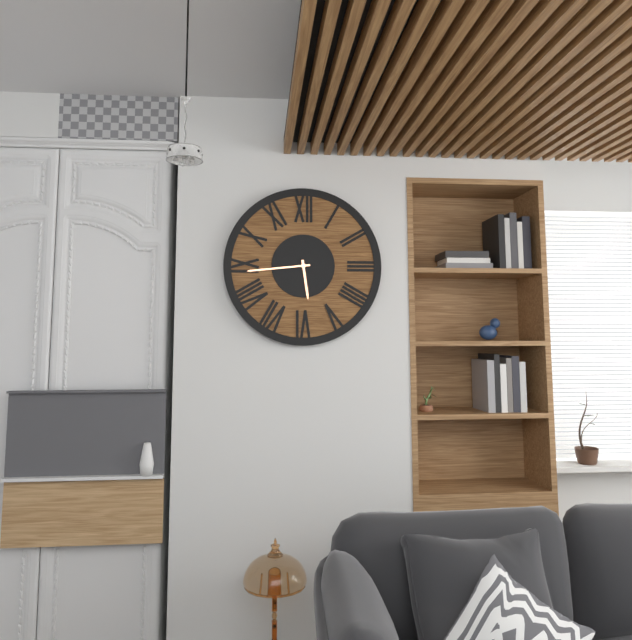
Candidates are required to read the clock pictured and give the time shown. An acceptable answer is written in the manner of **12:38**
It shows **5:44**
